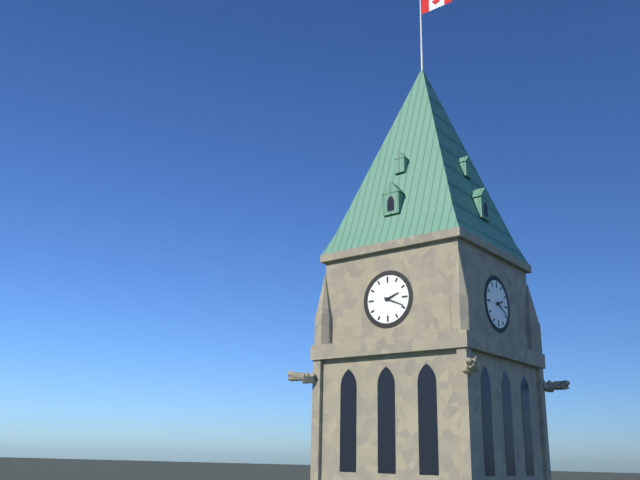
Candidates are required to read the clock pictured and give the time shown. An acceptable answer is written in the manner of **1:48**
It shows **2:19**
